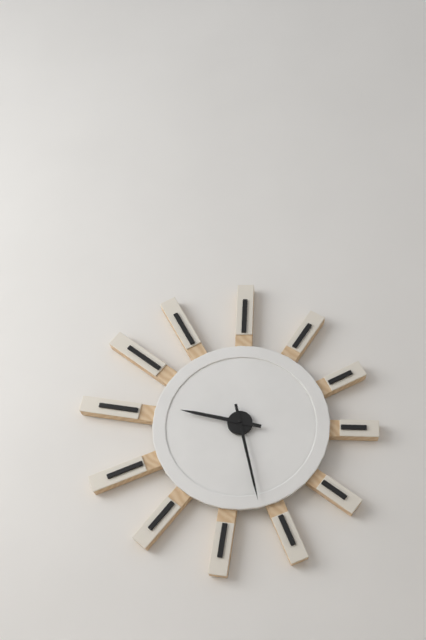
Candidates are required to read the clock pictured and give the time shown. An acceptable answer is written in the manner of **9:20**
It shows **9:28**
